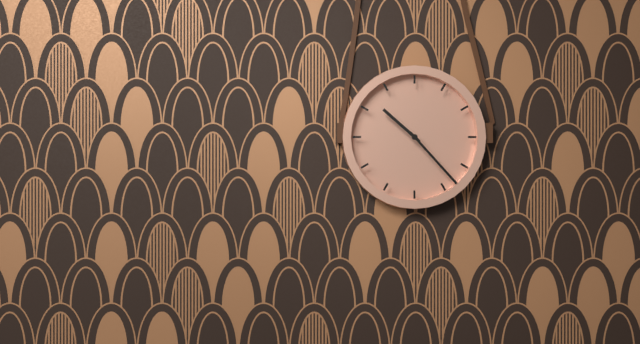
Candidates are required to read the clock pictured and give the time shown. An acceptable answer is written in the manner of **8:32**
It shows **10:23**
